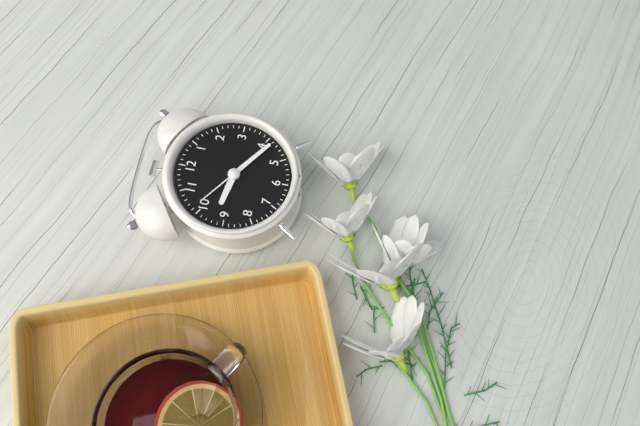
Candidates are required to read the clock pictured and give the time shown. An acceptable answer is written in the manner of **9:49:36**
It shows **9:21:51**
